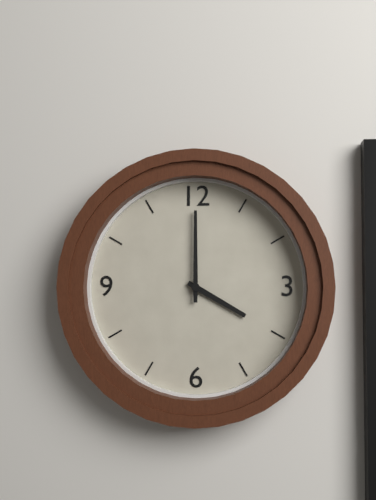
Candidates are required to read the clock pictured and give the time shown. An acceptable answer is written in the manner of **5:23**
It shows **4:00**
